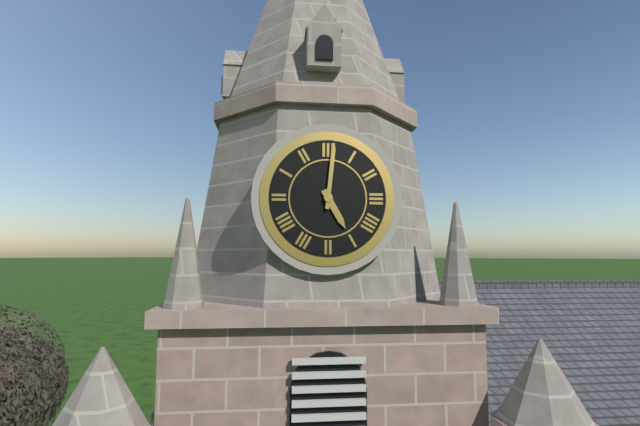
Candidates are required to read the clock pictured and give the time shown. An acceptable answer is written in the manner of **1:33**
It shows **5:01**
